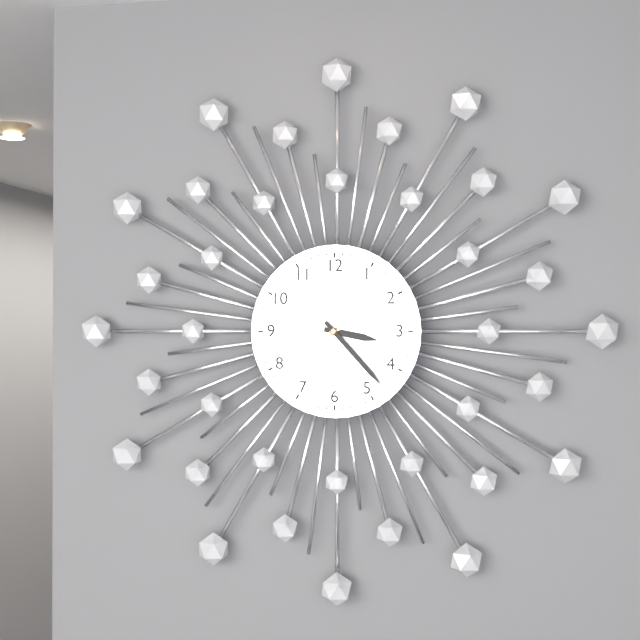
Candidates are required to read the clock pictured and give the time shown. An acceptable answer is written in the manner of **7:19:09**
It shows **3:23:12**
